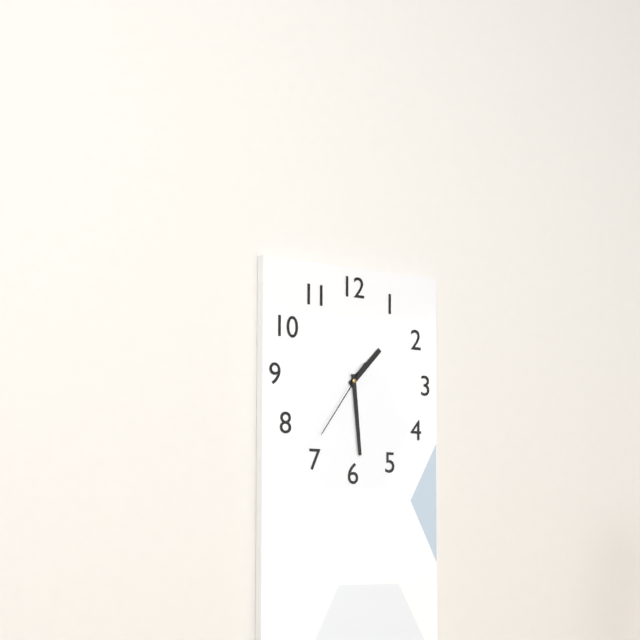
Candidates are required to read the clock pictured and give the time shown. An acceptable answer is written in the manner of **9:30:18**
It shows **1:29:36**
